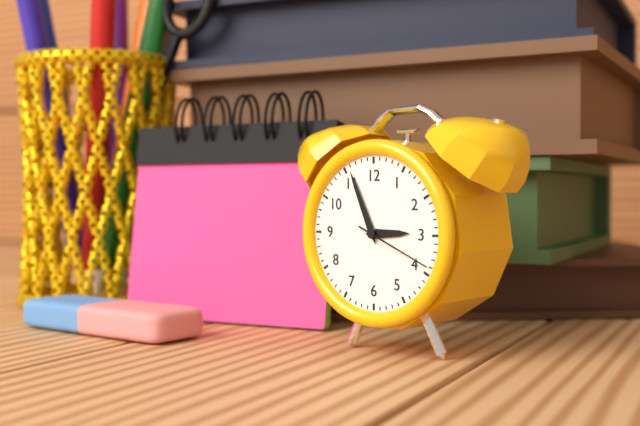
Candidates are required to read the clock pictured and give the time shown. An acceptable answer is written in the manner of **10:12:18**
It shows **2:56:19**
